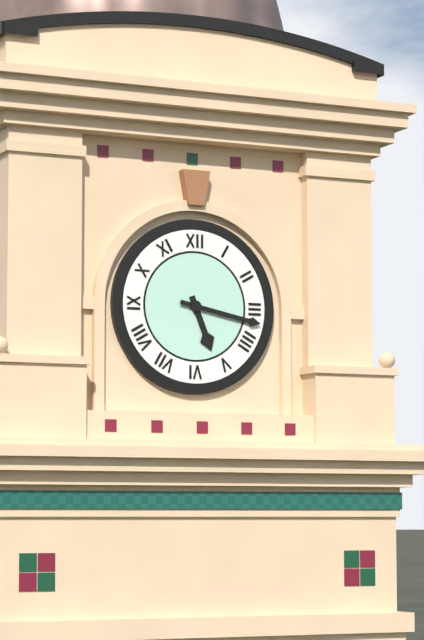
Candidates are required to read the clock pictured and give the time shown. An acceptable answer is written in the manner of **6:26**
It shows **5:17**
